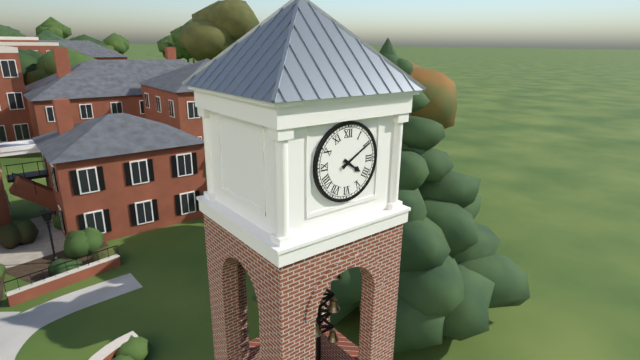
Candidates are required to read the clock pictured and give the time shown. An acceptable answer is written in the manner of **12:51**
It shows **4:10**
